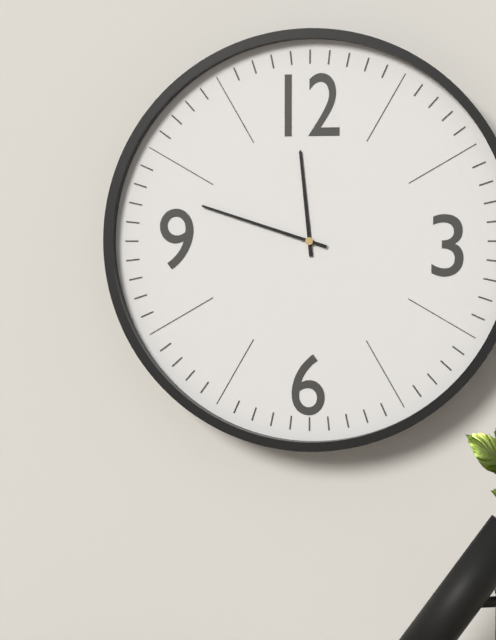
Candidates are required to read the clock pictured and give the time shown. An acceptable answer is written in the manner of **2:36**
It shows **11:48**
